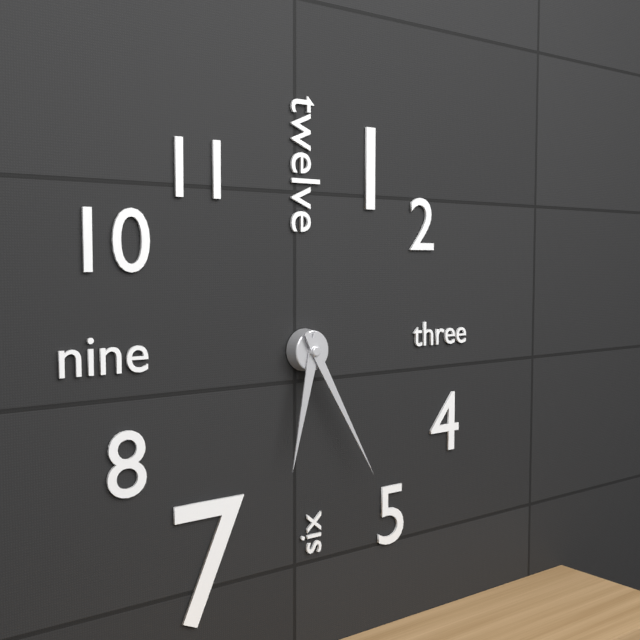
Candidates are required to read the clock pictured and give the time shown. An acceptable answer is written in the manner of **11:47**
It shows **6:25**
